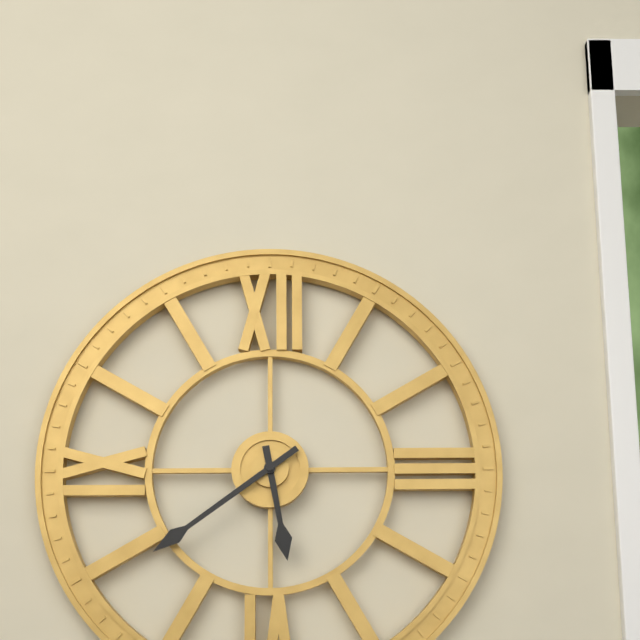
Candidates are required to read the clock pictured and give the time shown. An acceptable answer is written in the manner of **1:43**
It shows **5:39**
